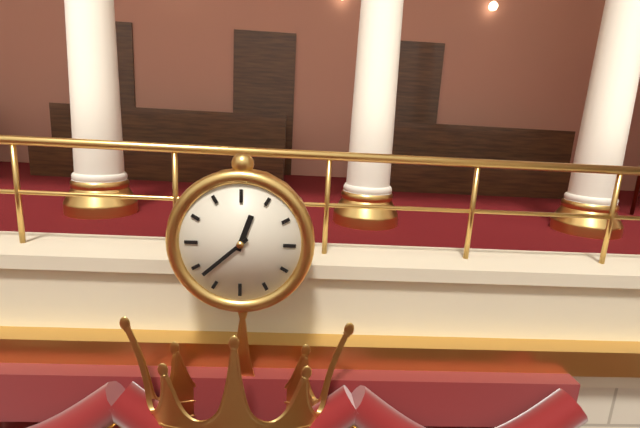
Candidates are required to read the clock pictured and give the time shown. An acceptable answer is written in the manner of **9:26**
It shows **12:38**
